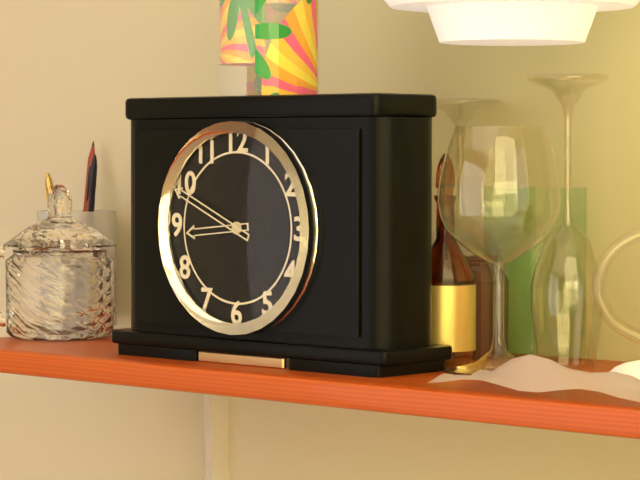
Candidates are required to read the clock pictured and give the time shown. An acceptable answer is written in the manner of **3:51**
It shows **8:49**
